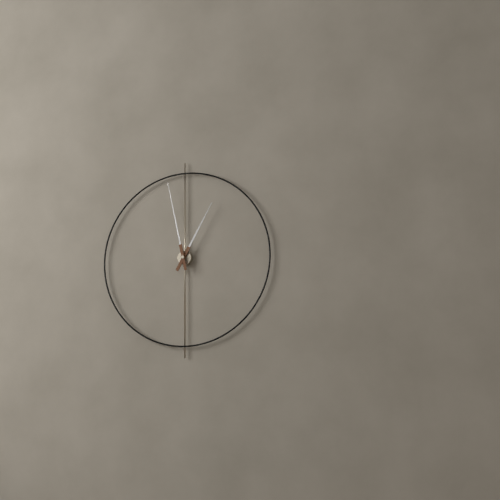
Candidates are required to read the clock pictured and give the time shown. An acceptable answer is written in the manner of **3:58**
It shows **12:58**
